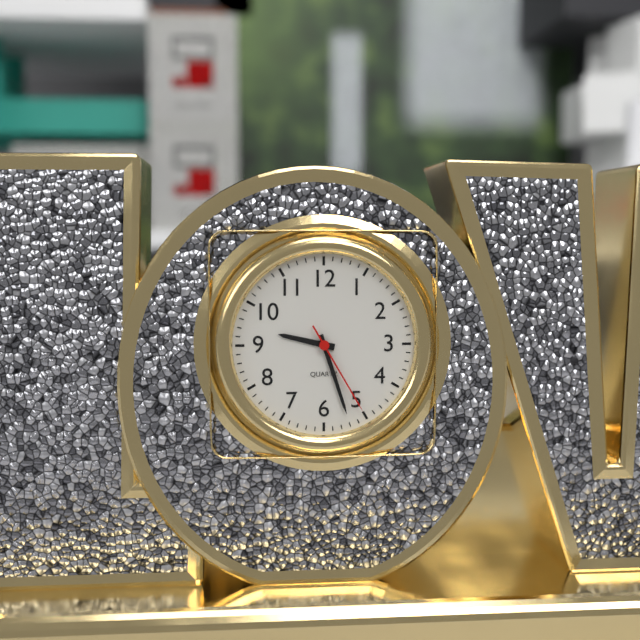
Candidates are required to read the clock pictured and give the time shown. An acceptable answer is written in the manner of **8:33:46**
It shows **9:27:25**
